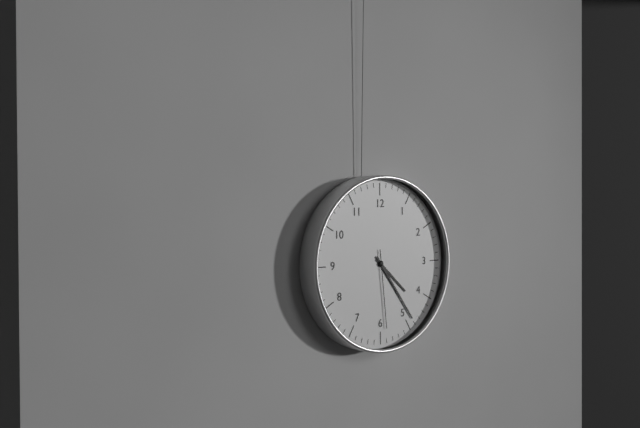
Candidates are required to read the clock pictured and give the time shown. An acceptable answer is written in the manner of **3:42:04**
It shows **4:24:29**
